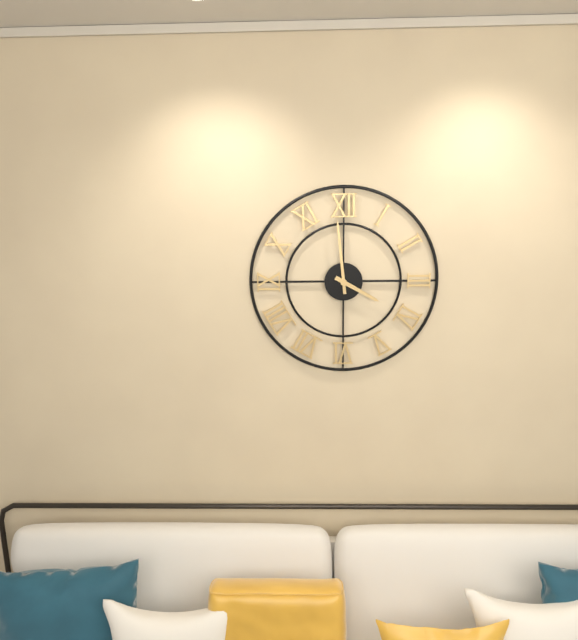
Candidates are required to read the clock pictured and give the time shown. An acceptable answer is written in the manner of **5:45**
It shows **3:59**
